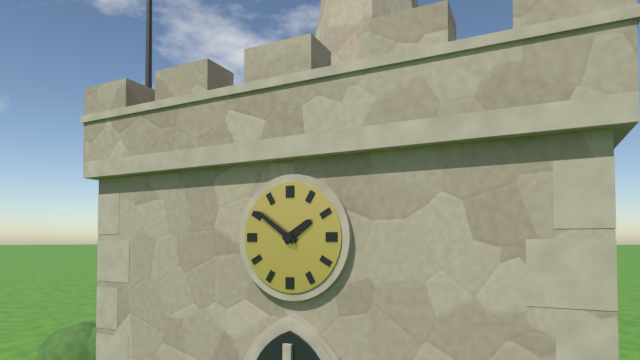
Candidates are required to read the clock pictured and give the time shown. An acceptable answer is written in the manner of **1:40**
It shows **1:51**
